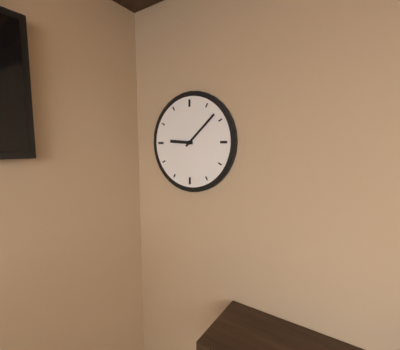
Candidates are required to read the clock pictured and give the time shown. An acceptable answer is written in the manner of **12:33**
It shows **9:08**
